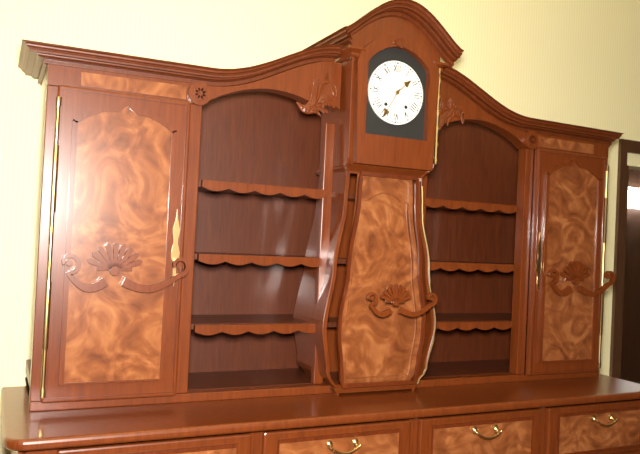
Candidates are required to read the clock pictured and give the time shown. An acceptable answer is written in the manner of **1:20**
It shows **1:35**
